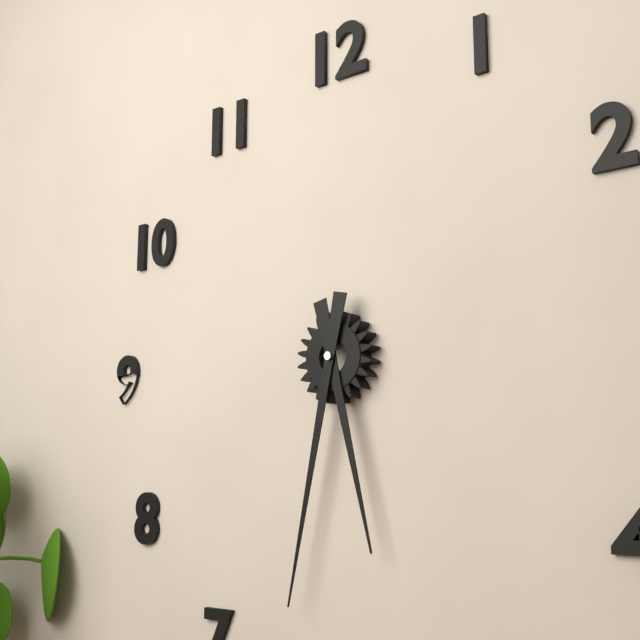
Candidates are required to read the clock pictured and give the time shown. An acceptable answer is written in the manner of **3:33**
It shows **5:32**
